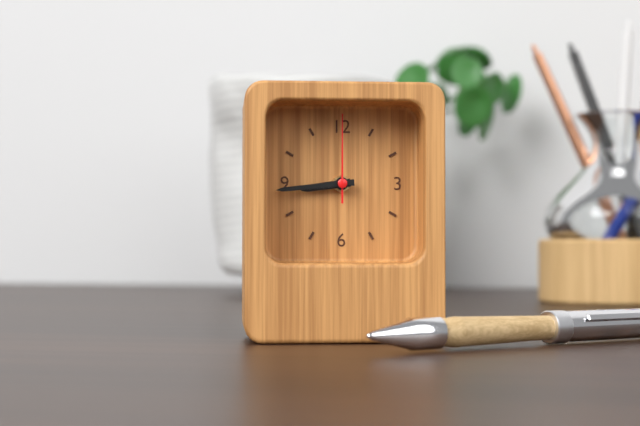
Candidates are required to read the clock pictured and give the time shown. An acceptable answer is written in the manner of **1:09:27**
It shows **8:44:00**
